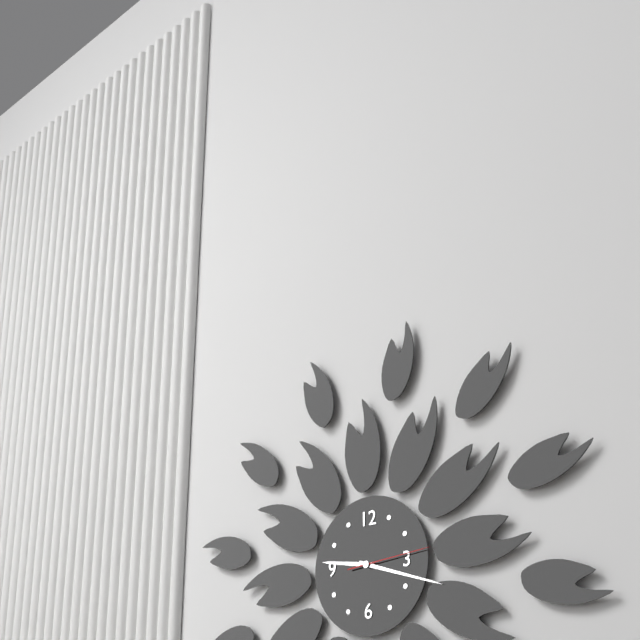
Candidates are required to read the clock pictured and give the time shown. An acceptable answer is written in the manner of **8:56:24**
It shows **9:18:14**
